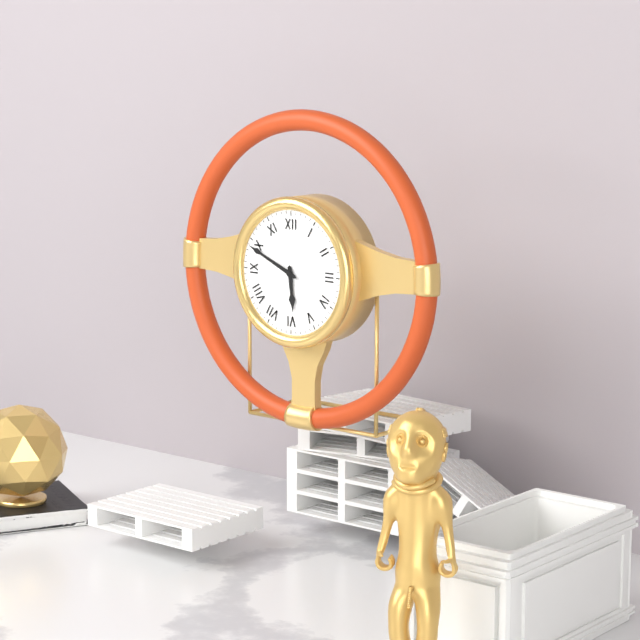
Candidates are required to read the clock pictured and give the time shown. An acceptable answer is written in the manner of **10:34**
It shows **5:49**
